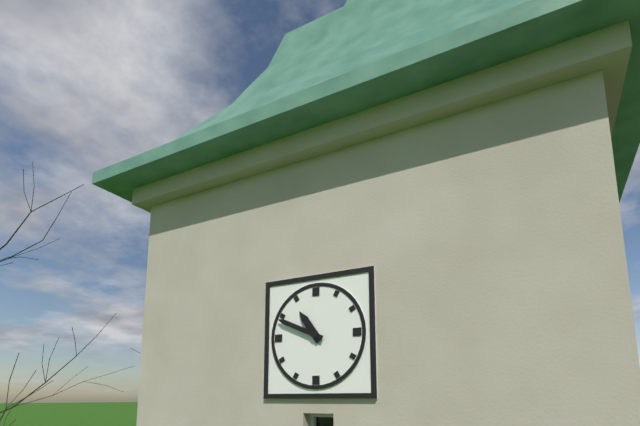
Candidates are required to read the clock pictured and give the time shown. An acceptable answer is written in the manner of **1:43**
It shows **10:49**
